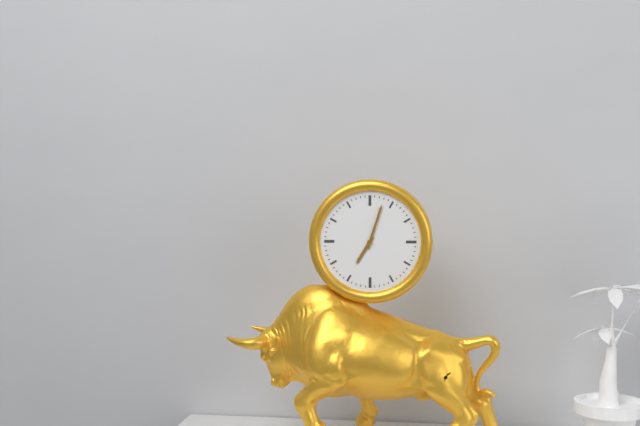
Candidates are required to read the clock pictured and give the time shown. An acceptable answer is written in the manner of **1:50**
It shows **7:03**
